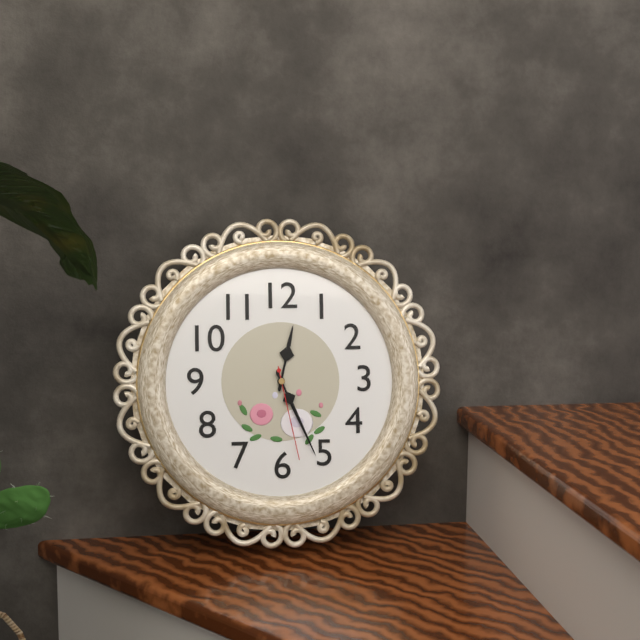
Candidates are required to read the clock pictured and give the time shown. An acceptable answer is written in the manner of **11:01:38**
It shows **12:26:28**
